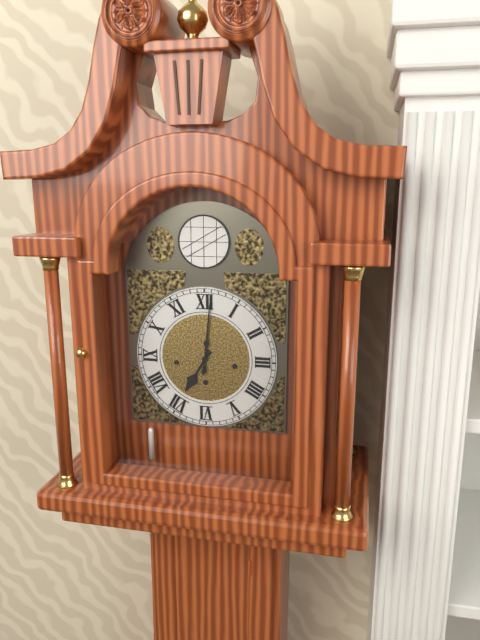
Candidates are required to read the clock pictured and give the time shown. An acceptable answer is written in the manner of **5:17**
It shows **7:01**
